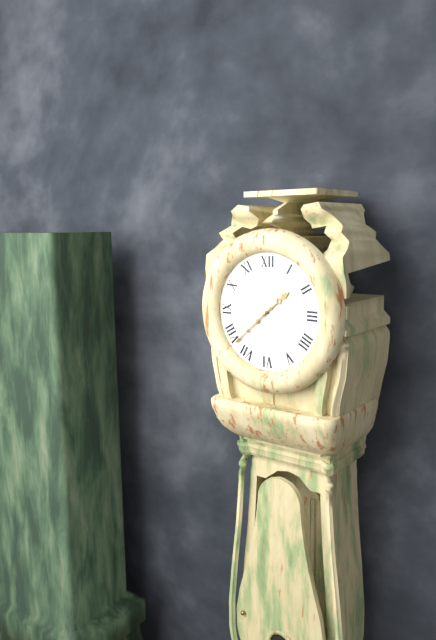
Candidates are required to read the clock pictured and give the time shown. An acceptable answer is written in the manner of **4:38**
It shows **1:38**
